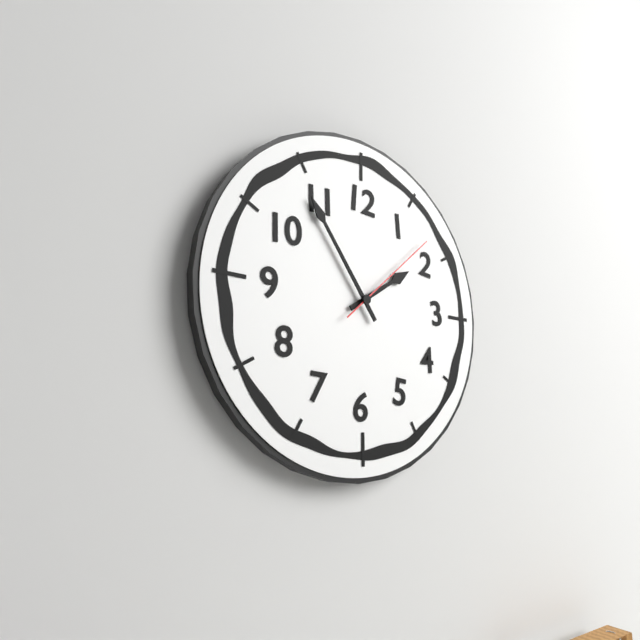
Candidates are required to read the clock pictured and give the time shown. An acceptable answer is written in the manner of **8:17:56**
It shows **1:54:08**
